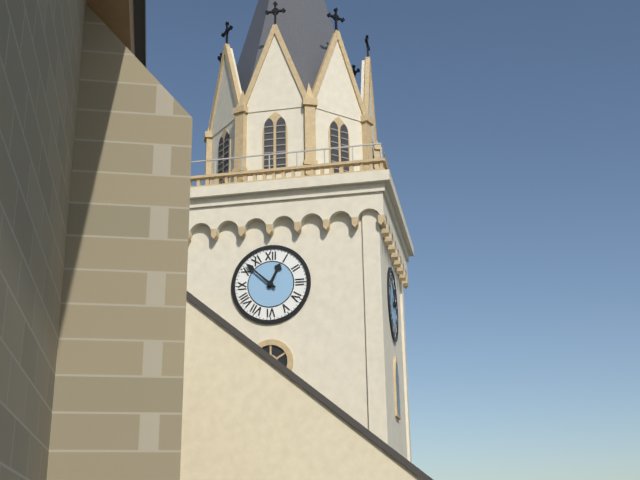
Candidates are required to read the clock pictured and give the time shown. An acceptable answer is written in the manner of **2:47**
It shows **12:52**
